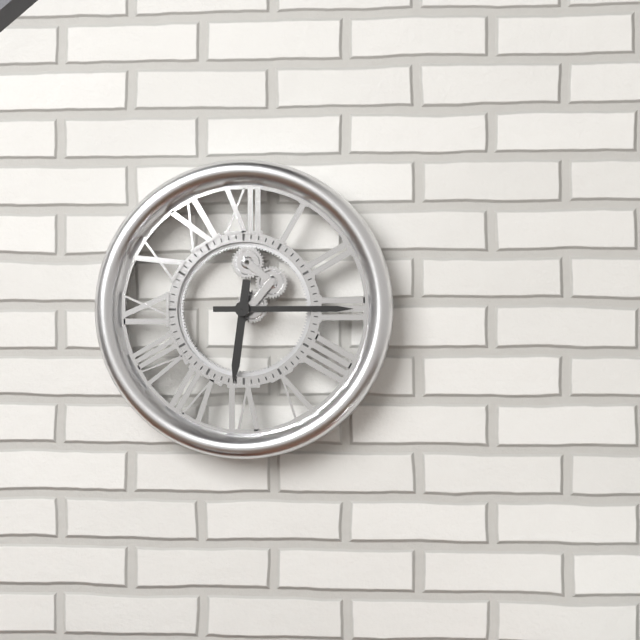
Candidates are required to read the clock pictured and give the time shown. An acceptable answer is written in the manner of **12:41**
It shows **6:15**
